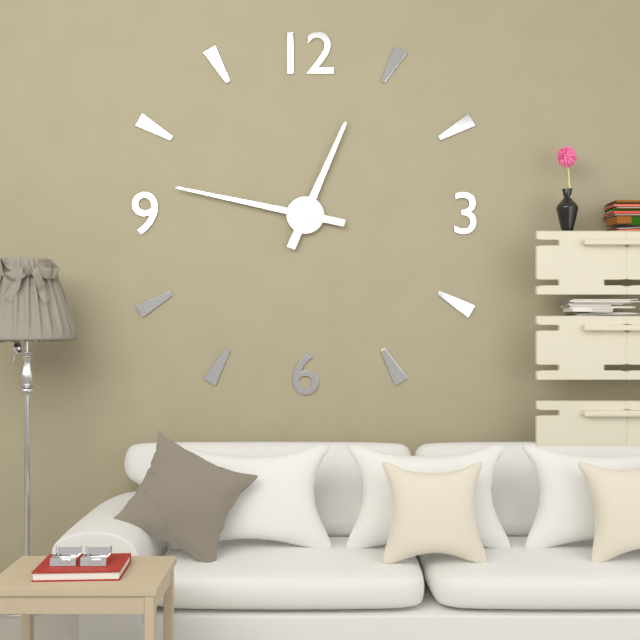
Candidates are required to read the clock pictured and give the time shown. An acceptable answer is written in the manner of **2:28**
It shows **12:47**
